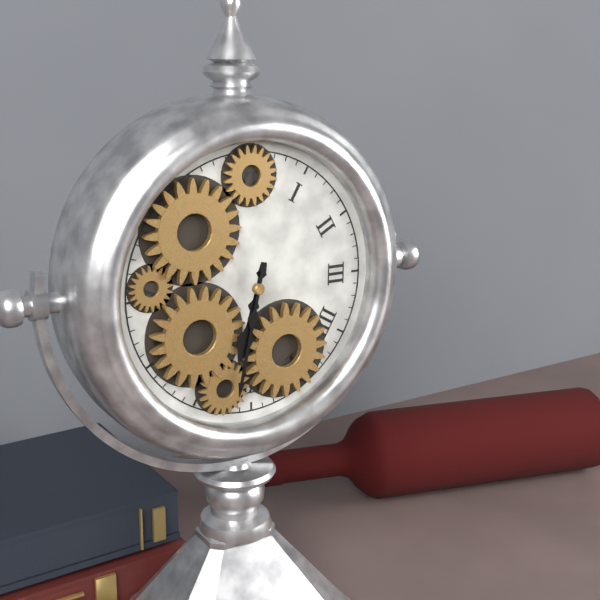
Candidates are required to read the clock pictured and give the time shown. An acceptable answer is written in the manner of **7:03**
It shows **6:32**
